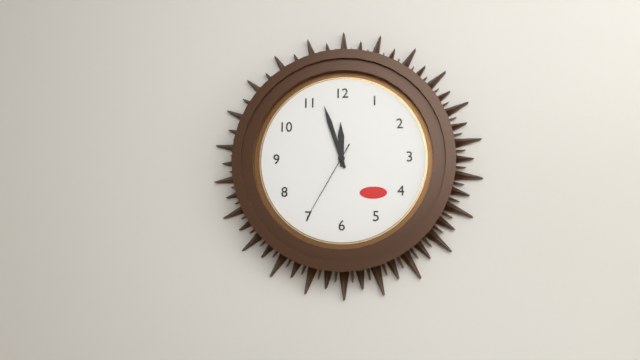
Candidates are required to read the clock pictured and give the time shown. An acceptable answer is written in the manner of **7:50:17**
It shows **11:57:35**
